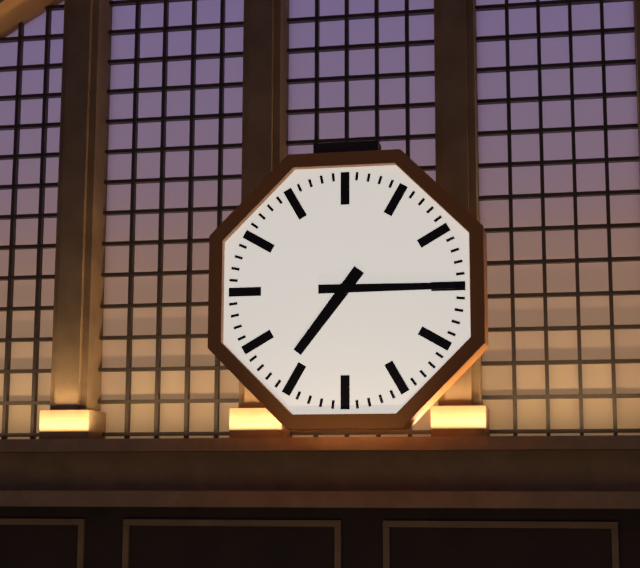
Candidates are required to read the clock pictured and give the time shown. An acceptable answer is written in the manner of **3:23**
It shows **7:15**
